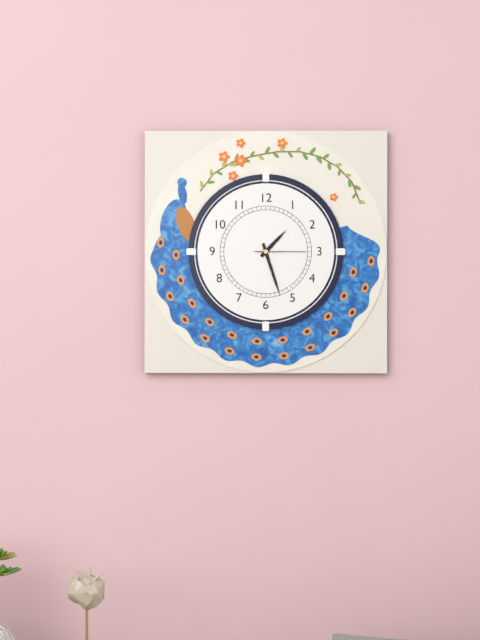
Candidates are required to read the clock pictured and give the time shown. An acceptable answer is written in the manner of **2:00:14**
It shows **1:27:15**
